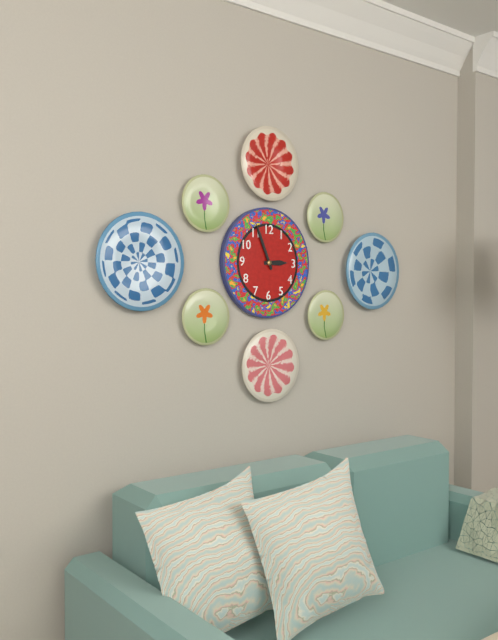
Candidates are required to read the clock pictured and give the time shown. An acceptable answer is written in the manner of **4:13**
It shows **2:56**
